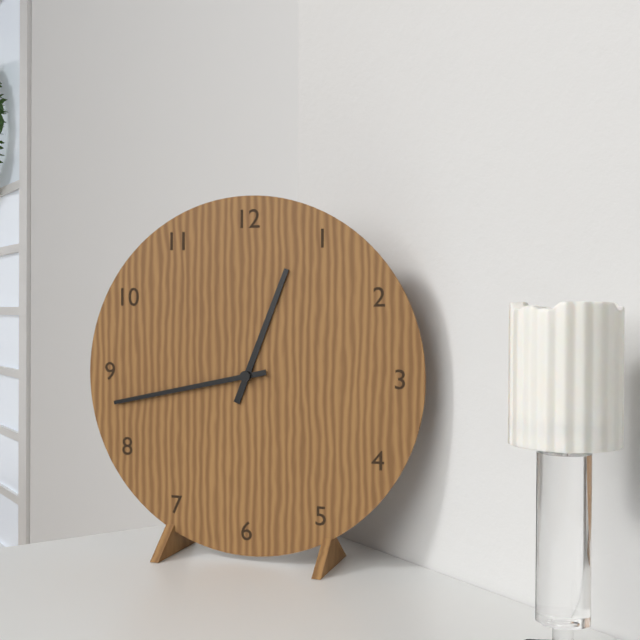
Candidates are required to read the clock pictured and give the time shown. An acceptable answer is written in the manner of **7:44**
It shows **12:43**
